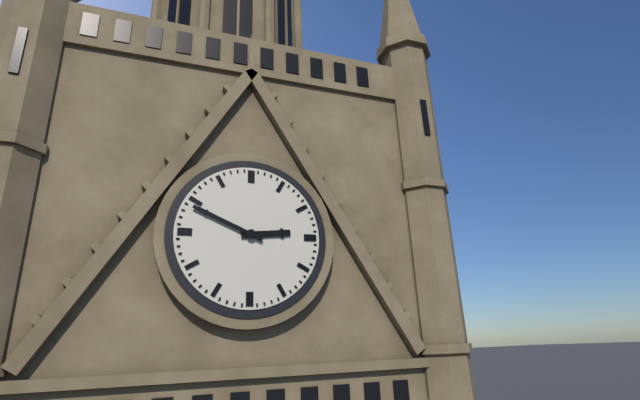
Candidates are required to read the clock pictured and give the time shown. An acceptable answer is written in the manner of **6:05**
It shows **2:49**
